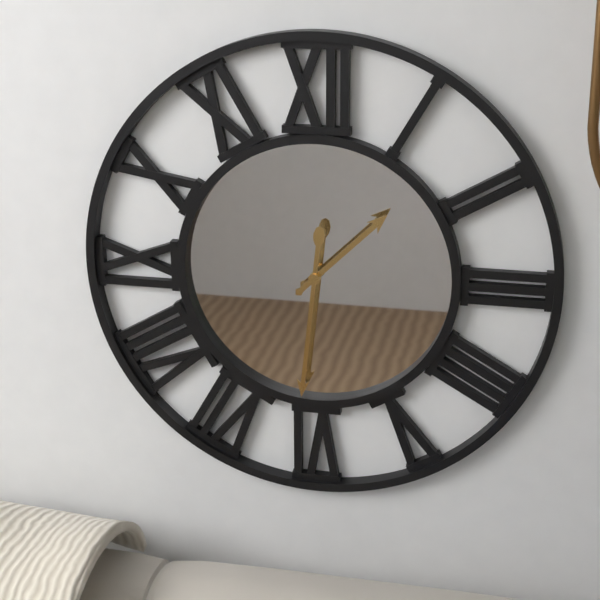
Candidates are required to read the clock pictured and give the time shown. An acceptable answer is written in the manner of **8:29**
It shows **1:31**
